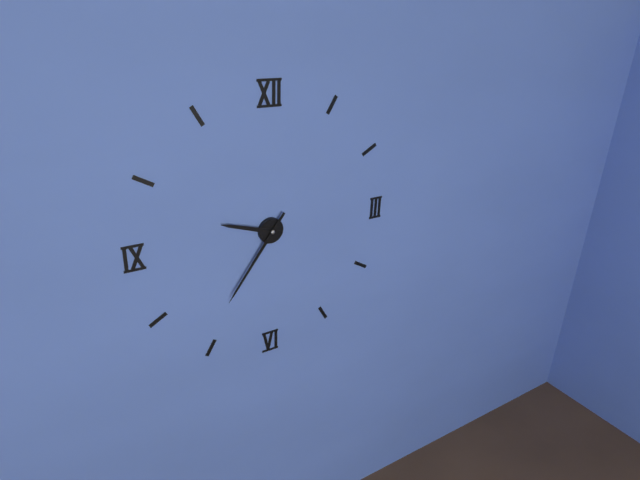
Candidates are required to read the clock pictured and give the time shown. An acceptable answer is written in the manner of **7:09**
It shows **9:36**
